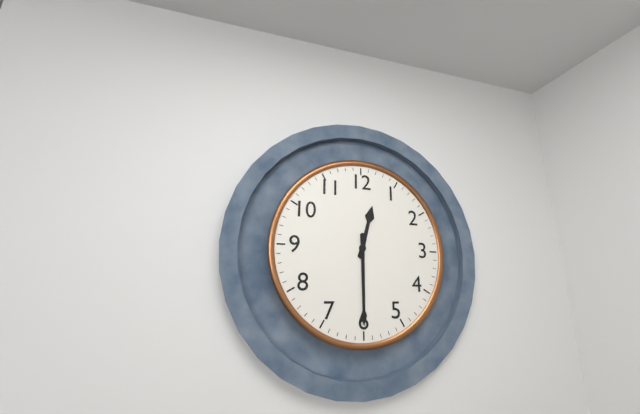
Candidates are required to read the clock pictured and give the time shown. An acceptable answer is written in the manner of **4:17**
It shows **12:30**
